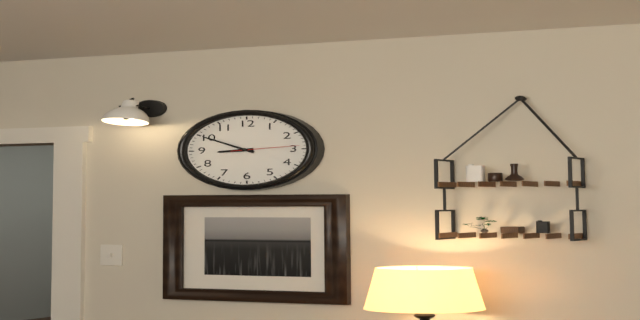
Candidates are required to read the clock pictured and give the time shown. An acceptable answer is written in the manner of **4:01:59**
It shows **8:50:14**
